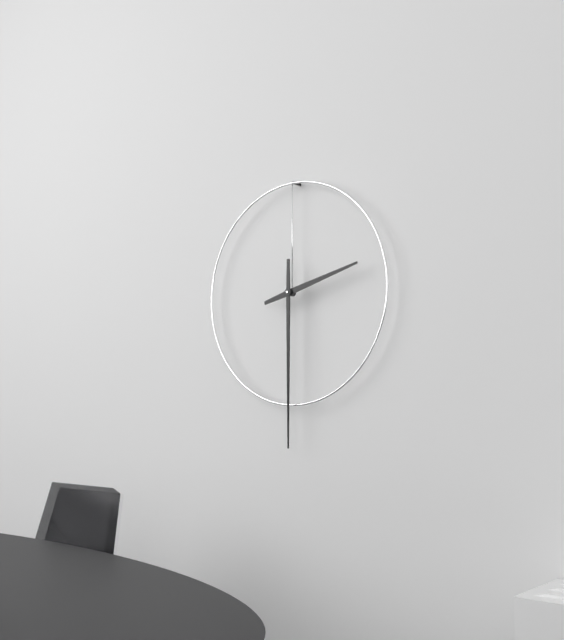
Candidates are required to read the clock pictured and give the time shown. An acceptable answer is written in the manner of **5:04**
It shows **2:30**
